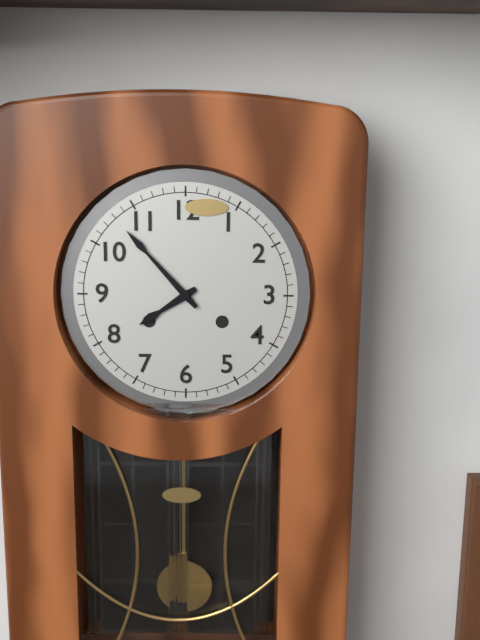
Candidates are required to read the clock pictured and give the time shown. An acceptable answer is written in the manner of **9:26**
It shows **7:53**
